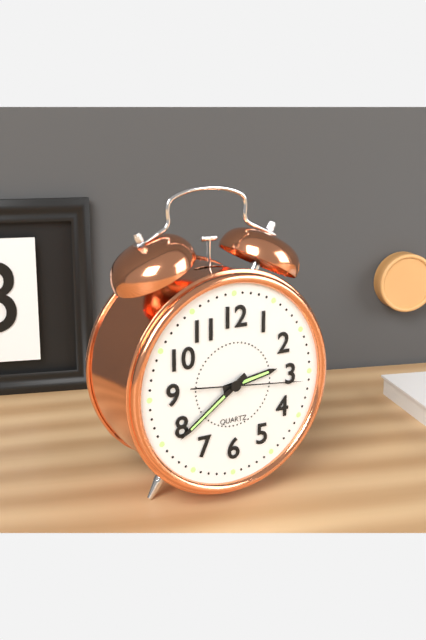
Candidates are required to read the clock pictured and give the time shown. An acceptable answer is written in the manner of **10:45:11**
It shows **2:39:16**
